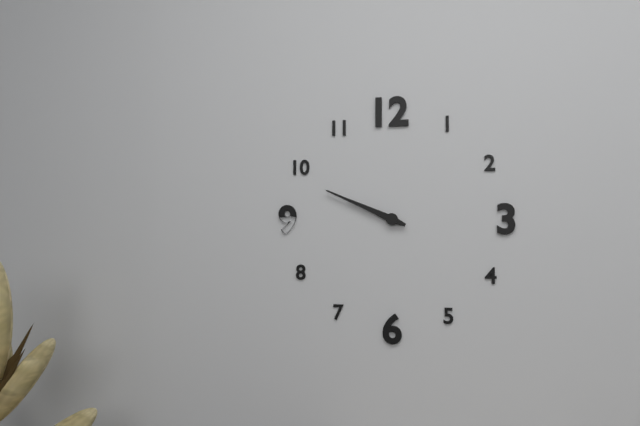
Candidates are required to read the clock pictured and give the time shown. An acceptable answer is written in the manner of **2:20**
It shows **9:49**
